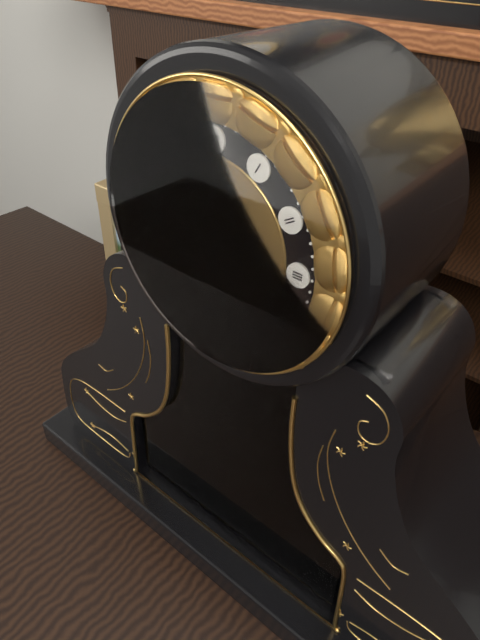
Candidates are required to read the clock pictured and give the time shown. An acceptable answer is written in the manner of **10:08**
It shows **4:29**
